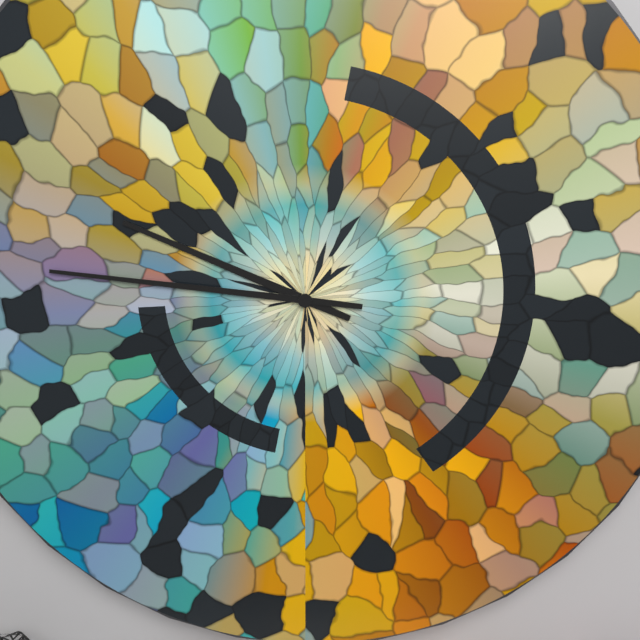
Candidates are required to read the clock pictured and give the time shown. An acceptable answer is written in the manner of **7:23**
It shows **9:46**
